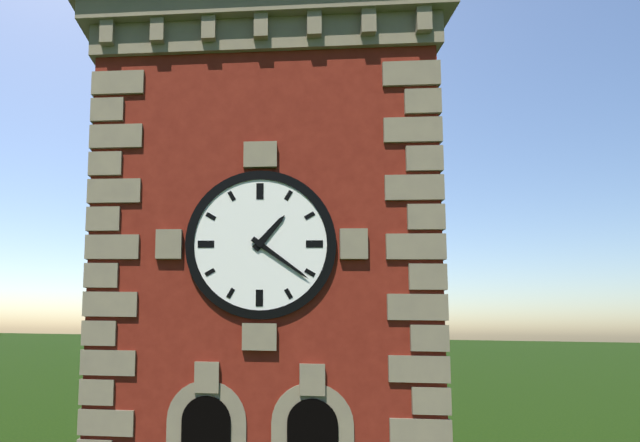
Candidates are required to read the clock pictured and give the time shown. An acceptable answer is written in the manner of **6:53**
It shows **1:21**
